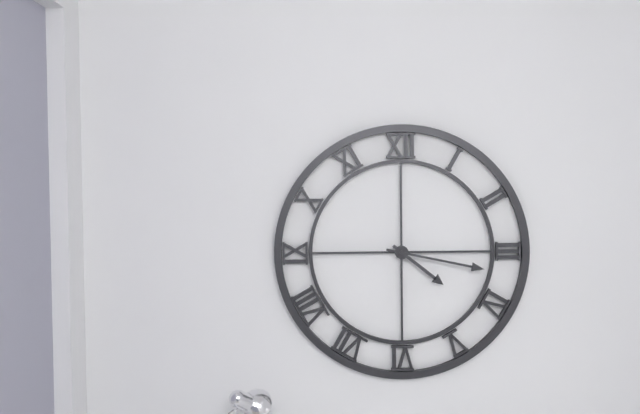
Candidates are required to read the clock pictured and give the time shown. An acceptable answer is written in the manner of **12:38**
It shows **4:17**
